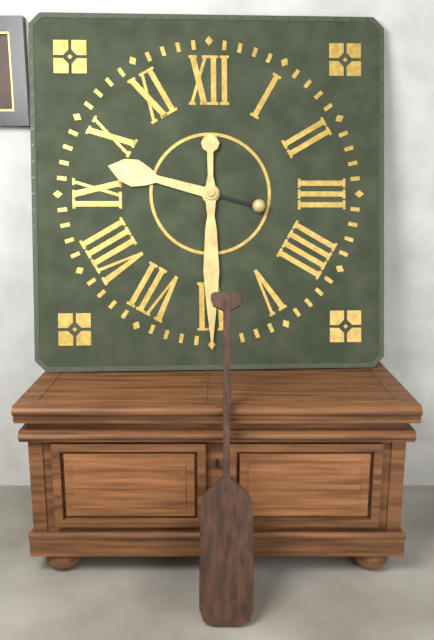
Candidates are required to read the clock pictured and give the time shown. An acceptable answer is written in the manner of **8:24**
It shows **9:30**
